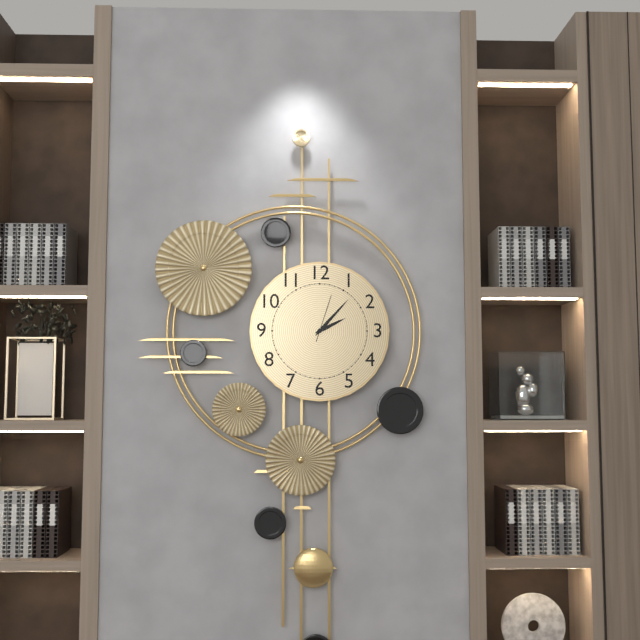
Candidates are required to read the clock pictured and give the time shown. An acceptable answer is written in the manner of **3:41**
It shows **2:07**
